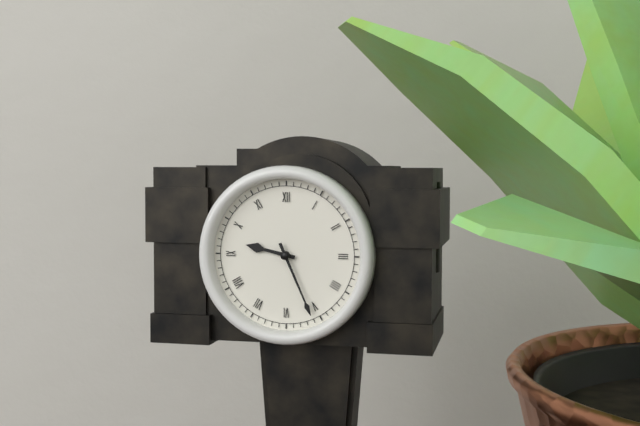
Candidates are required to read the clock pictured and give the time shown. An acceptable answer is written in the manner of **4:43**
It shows **9:26**
